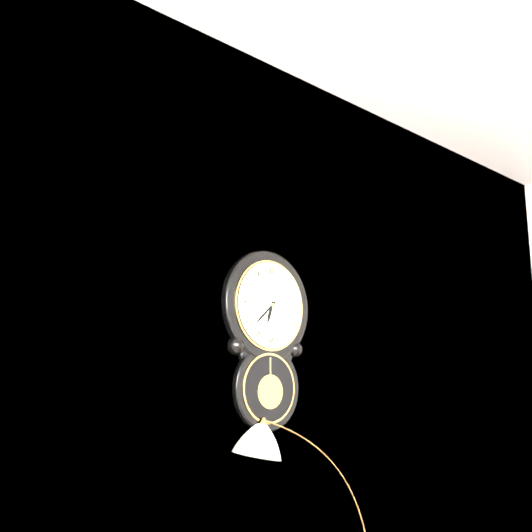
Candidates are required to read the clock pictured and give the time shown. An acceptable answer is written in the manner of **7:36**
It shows **6:38**
